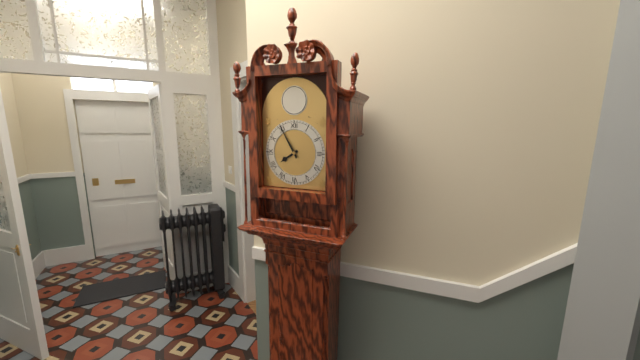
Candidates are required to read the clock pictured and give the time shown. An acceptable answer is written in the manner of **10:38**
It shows **7:55**
